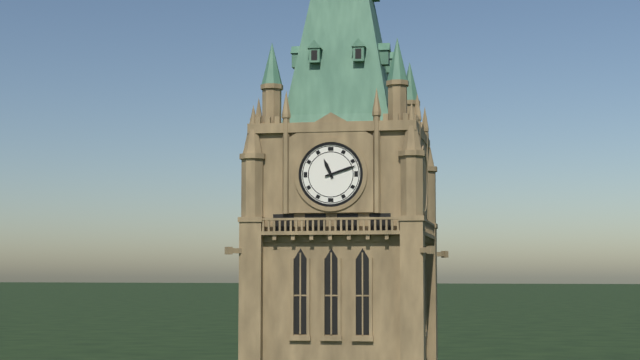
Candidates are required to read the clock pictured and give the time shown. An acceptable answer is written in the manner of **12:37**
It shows **11:12**
